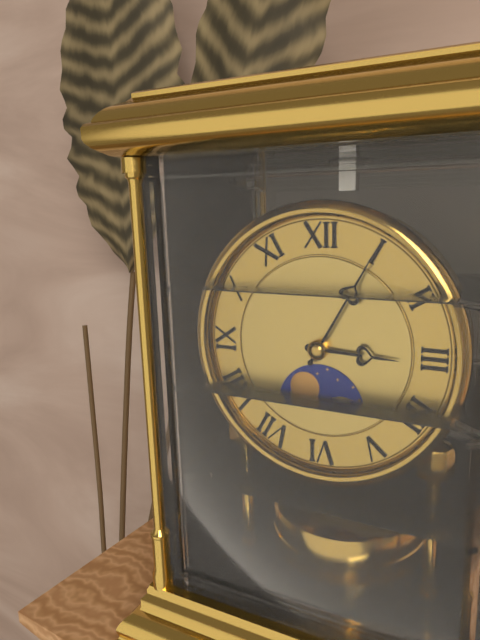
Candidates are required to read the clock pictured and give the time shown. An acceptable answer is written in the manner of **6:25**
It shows **3:05**
